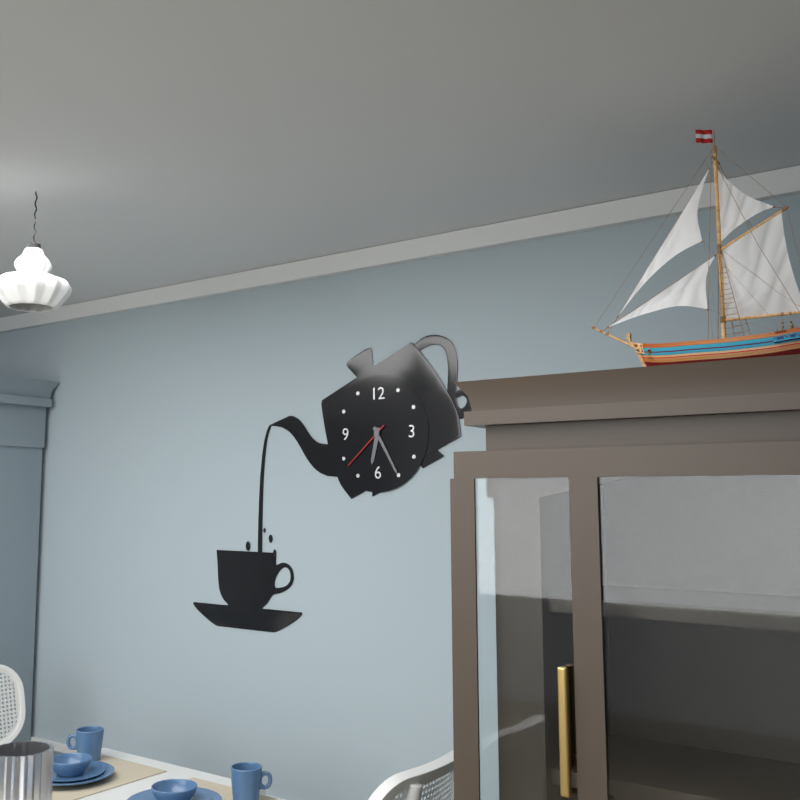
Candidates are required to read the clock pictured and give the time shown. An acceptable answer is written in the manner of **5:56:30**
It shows **6:25:38**
